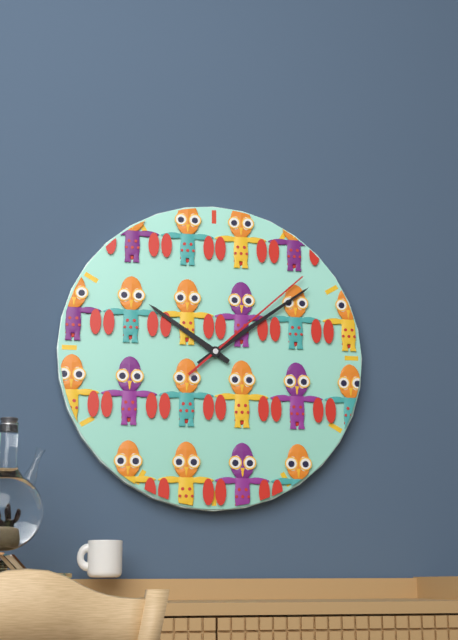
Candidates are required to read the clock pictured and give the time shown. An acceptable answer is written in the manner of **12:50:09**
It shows **10:09:08**
